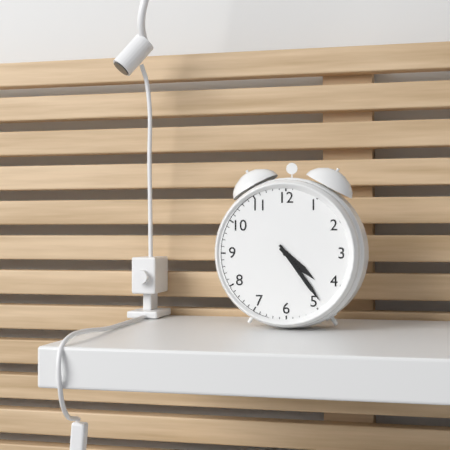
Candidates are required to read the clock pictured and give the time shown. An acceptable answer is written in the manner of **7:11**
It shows **4:24**
